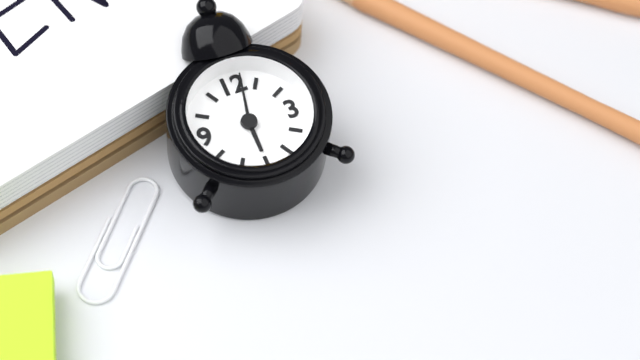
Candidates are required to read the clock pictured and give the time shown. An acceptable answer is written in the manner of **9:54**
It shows **6:02**
